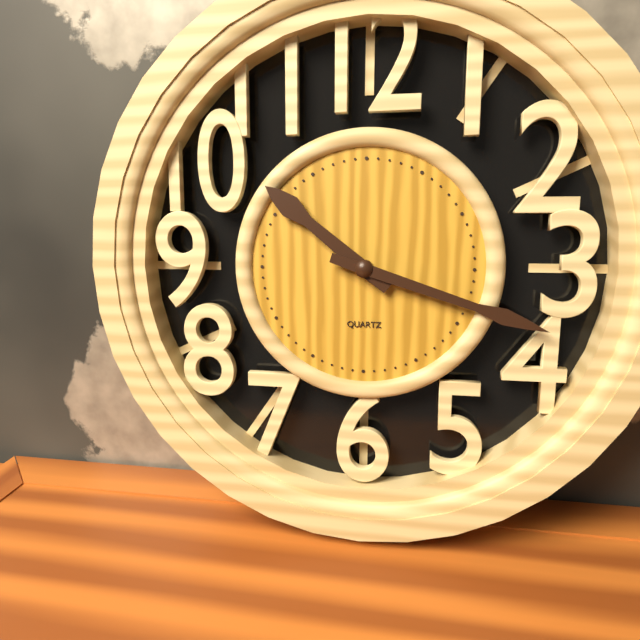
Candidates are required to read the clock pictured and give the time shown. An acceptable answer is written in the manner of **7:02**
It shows **10:18**
